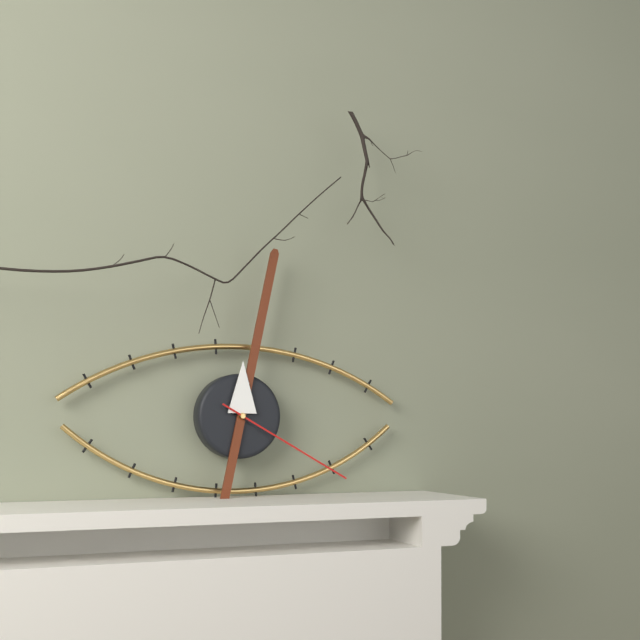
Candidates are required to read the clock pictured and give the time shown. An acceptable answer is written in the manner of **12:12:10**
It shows **12:02:20**
